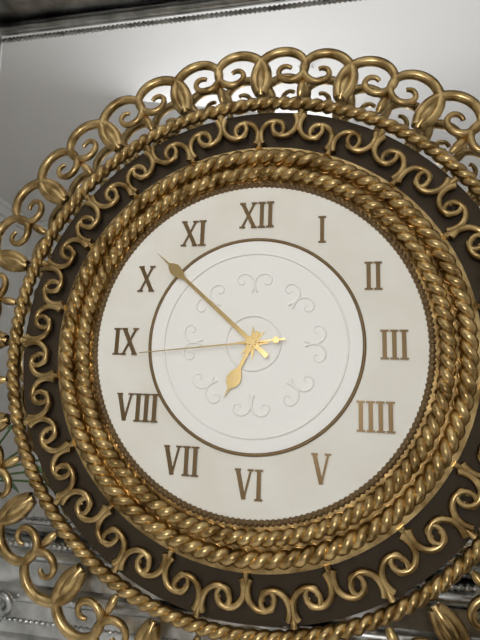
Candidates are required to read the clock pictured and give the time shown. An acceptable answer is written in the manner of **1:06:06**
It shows **6:52:44**
